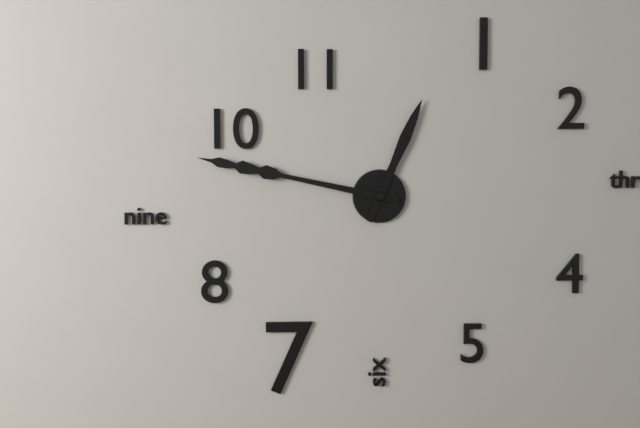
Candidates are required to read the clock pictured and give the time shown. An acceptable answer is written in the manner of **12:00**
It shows **12:47**
